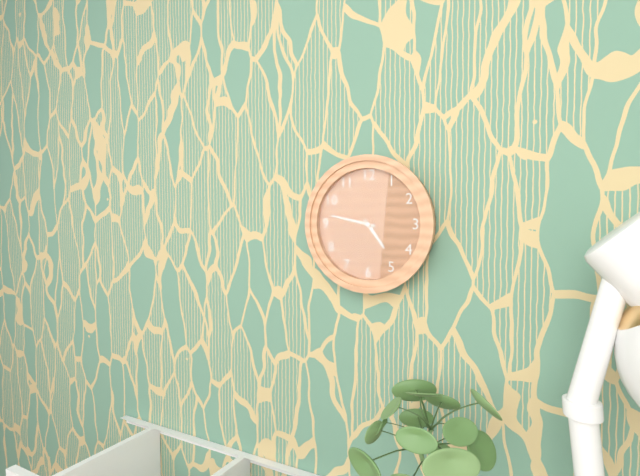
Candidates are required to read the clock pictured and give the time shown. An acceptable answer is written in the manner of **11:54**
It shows **4:47**
